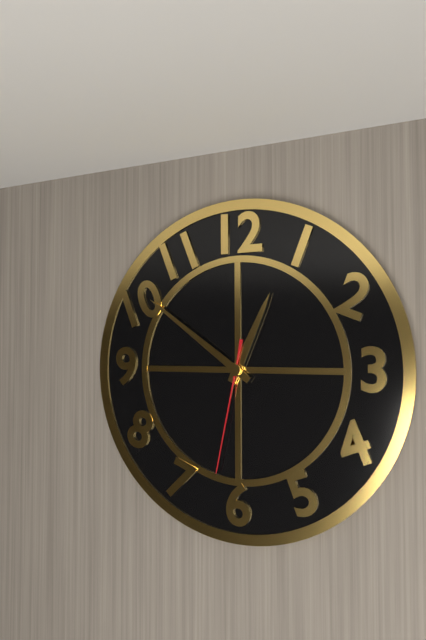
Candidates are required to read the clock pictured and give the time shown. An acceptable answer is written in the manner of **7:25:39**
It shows **12:51:32**
